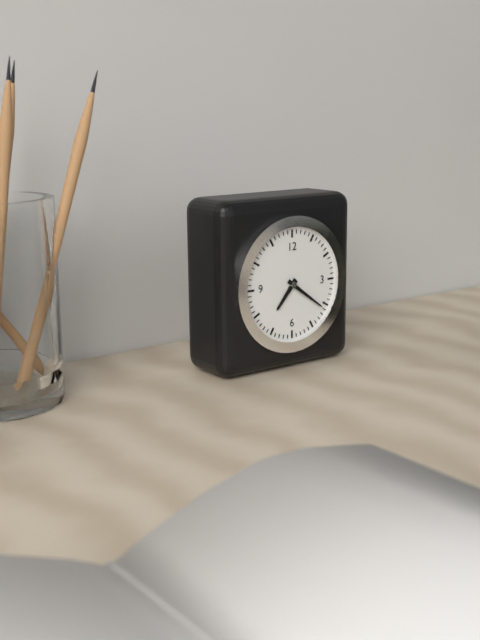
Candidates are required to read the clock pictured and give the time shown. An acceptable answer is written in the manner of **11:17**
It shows **7:21**
